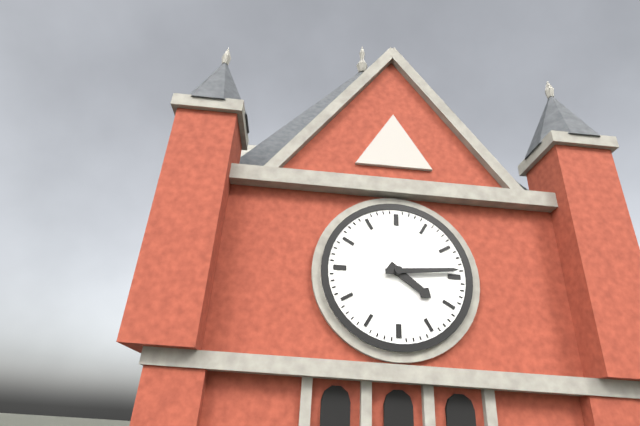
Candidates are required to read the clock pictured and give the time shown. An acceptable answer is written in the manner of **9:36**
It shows **4:14**
